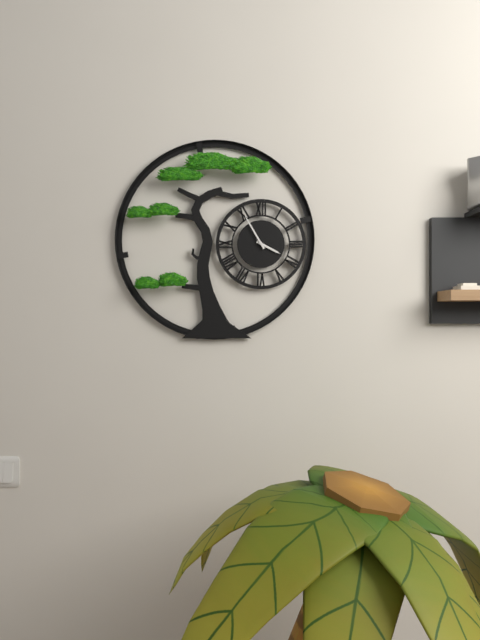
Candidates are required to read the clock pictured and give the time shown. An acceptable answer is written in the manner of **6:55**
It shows **3:55**
